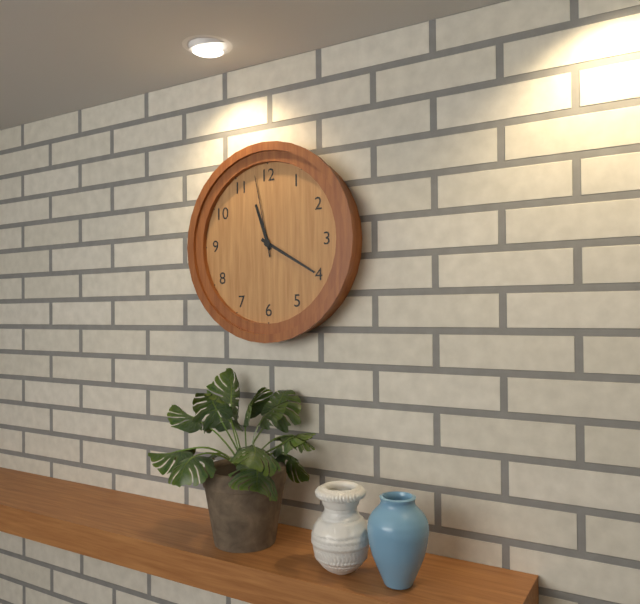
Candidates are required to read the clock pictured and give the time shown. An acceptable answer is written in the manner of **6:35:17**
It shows **11:20:58**
